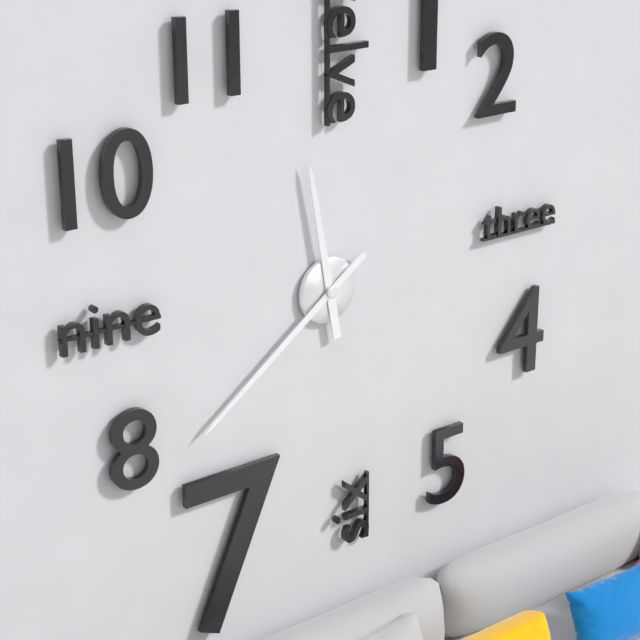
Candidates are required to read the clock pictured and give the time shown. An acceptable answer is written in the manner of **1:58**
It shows **11:39**
